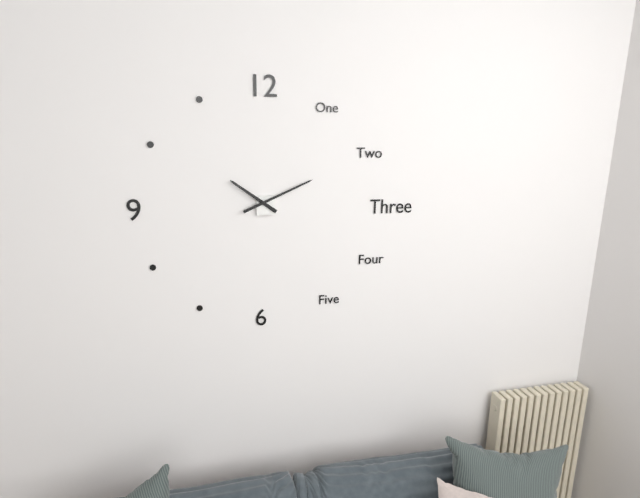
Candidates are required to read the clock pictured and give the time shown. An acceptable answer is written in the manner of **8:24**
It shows **10:11**
